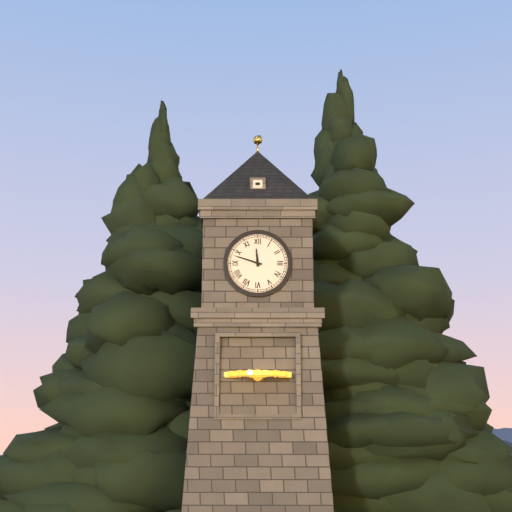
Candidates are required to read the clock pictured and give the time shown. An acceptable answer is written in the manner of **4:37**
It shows **11:48**
